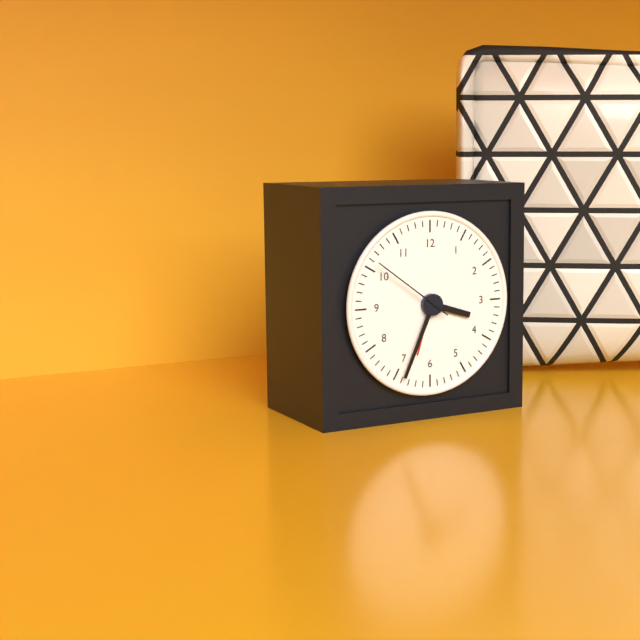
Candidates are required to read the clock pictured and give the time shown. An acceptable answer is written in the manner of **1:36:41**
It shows **3:34:51**
